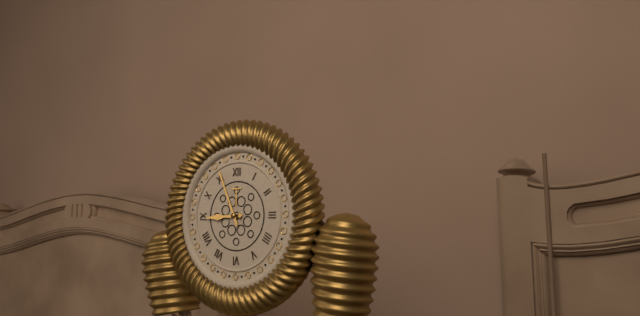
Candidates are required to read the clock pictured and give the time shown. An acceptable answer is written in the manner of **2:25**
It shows **8:56**
